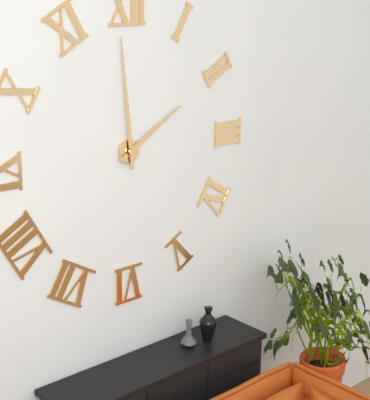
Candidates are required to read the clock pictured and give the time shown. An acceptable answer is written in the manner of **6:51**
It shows **1:59**
